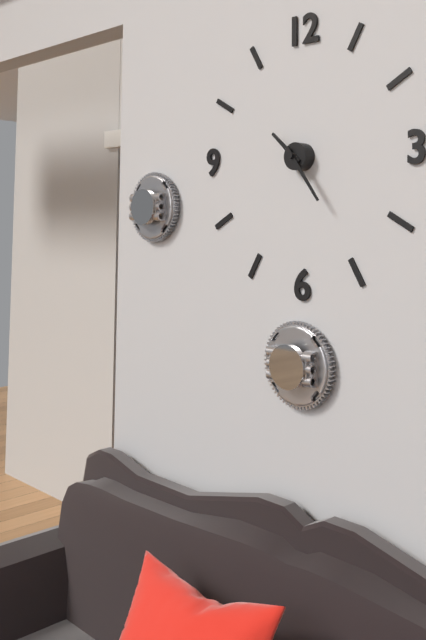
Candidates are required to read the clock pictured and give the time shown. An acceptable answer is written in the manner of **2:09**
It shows **10:24**
